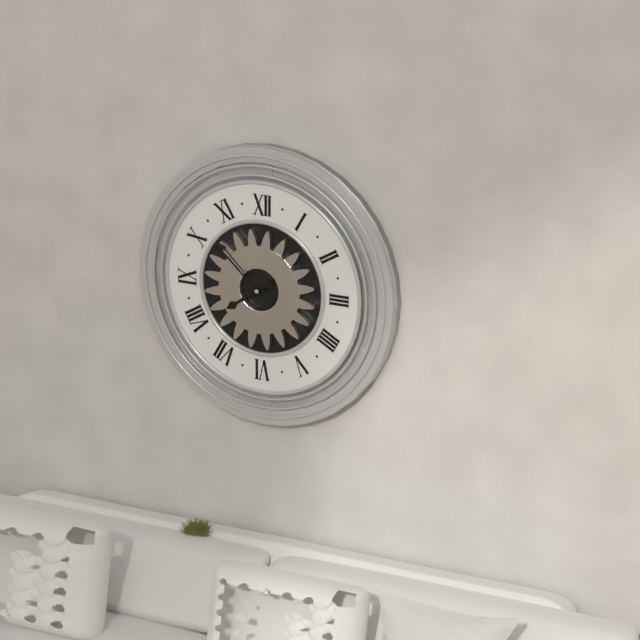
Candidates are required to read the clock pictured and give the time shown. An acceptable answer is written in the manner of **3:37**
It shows **7:52**
